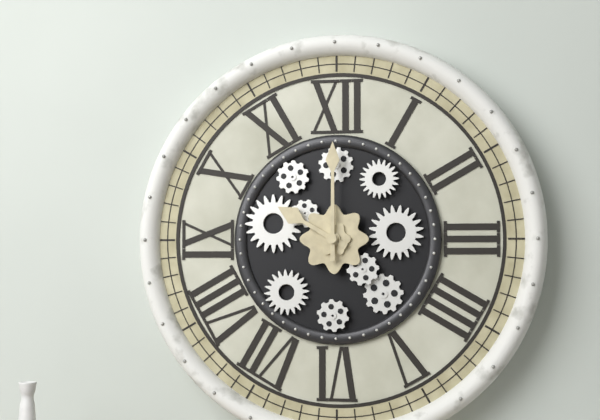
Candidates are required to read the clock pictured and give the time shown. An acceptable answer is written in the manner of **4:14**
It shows **10:00**
